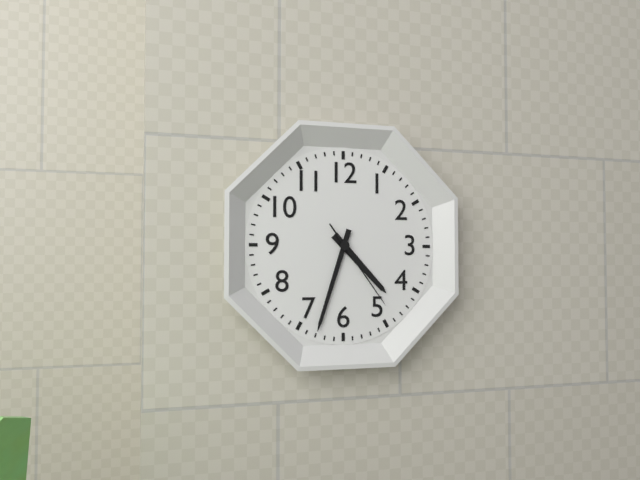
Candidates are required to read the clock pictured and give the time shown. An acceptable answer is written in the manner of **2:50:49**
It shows **4:33:24**
